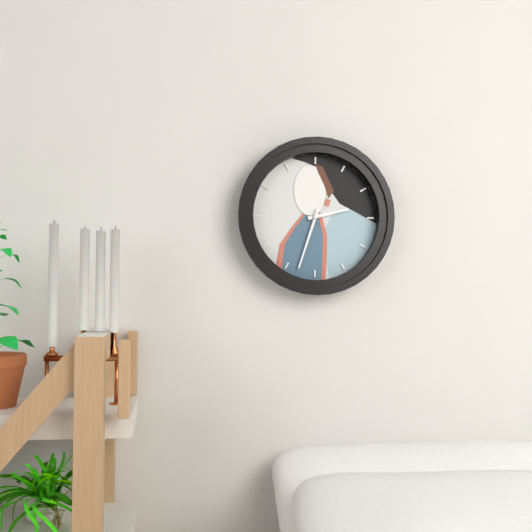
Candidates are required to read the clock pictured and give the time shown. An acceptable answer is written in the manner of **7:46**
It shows **2:33**
